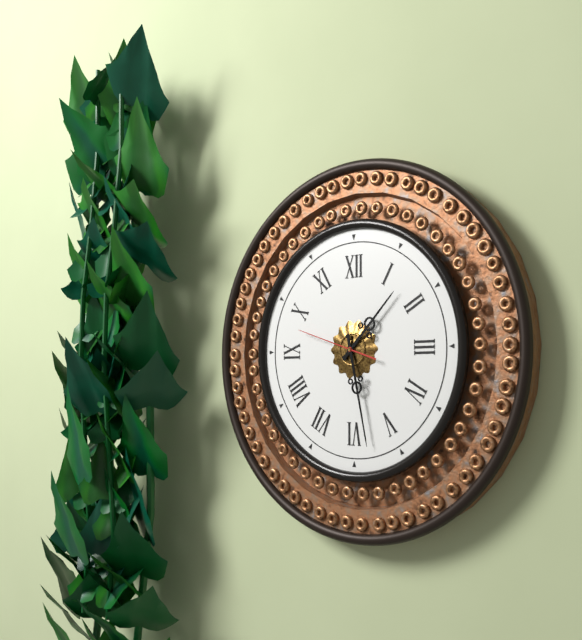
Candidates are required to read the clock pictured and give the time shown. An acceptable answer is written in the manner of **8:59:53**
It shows **1:28:48**
